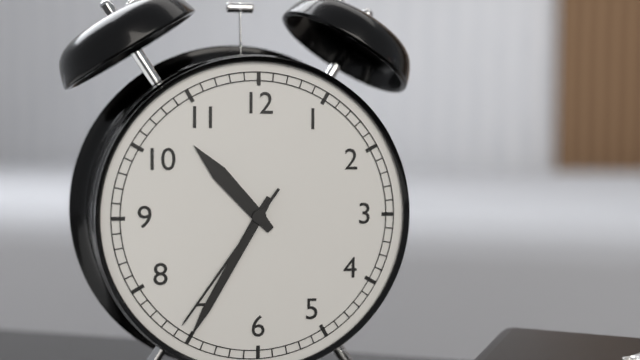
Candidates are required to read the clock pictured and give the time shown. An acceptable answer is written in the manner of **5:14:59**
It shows **10:35:36**
